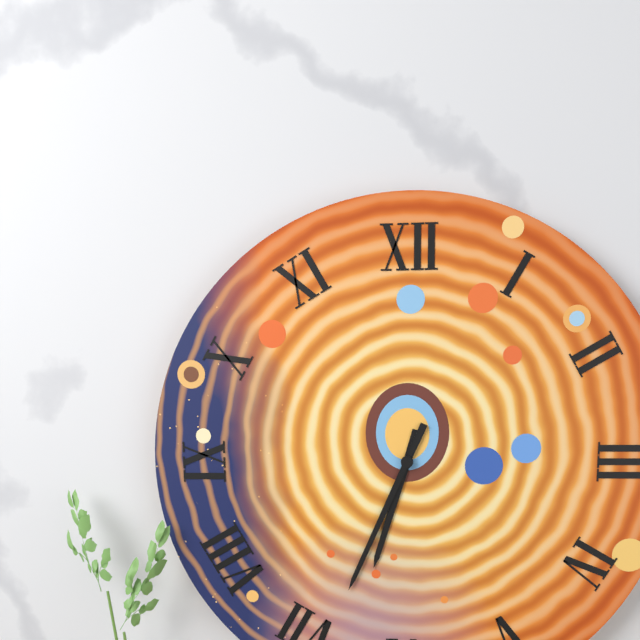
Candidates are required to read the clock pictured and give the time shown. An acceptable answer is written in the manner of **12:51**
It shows **6:34**
